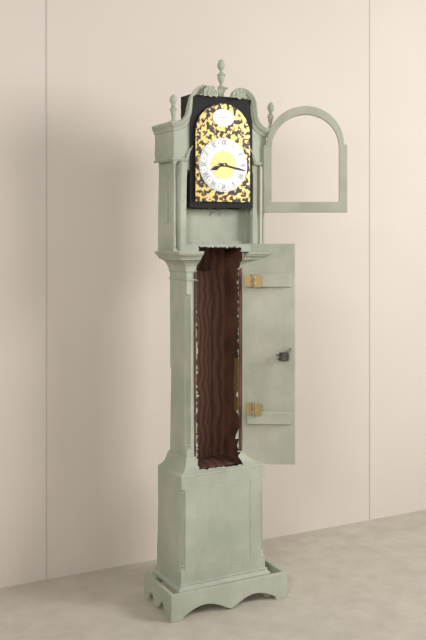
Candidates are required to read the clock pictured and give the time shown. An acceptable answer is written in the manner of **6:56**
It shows **8:17**
